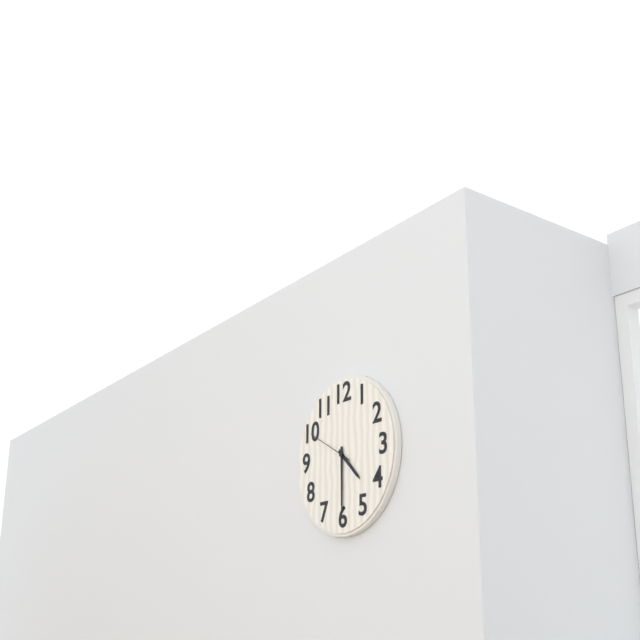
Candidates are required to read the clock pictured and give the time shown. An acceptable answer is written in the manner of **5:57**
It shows **4:30**
